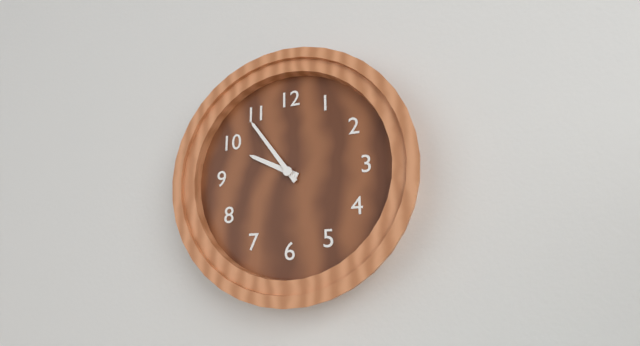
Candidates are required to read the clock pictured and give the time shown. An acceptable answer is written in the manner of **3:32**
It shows **9:54**
